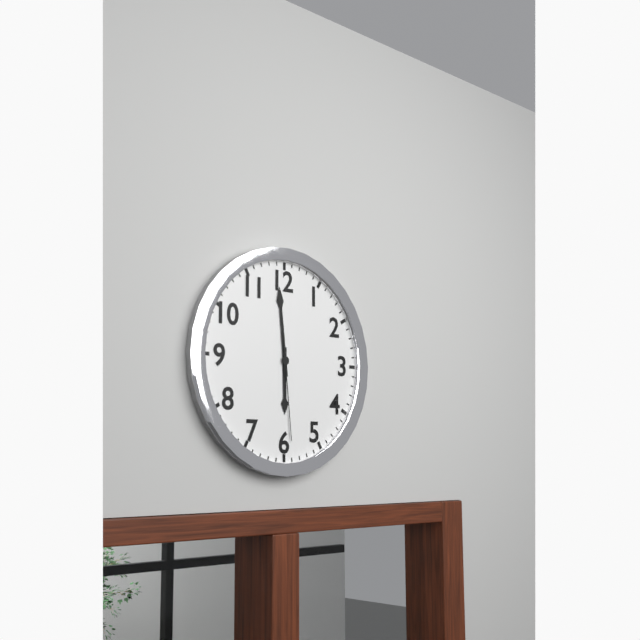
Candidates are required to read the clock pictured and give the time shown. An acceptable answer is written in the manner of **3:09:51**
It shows **5:59:29**
